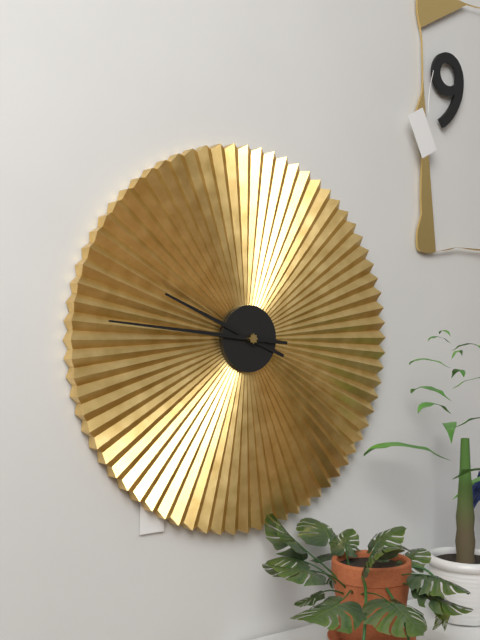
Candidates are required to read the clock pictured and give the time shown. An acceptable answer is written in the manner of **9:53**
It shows **9:46**
